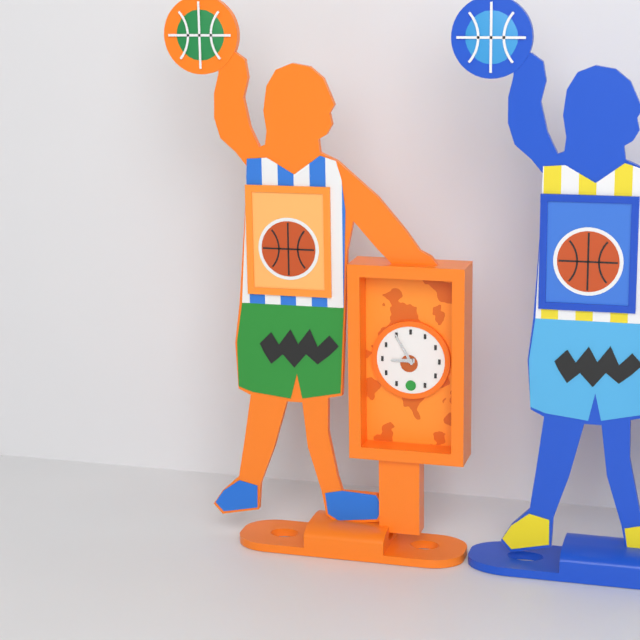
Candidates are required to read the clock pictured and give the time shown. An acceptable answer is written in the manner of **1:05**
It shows **8:55**
